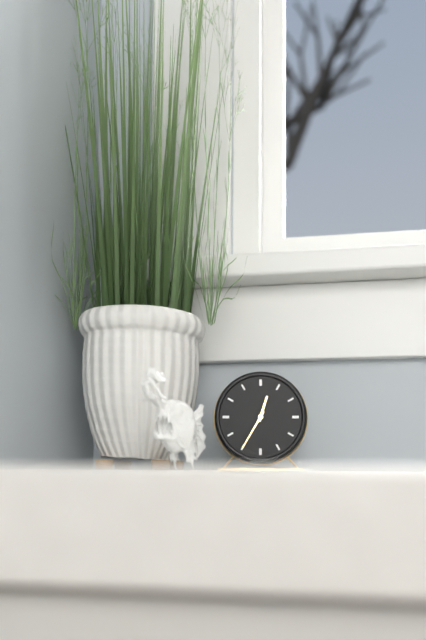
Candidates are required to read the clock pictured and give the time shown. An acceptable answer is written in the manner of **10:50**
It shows **12:35**
